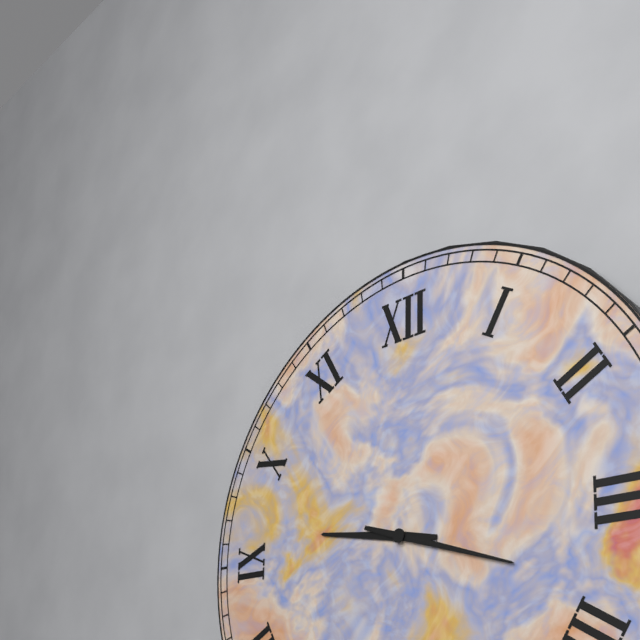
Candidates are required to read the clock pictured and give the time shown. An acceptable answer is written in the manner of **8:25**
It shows **9:18**
